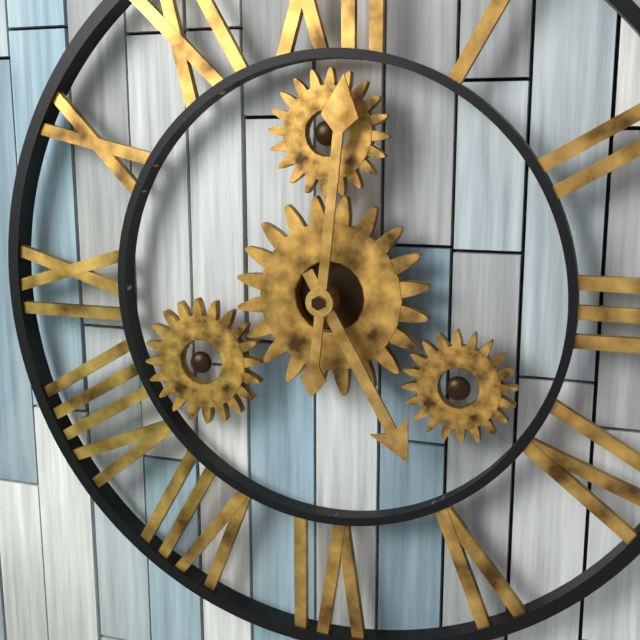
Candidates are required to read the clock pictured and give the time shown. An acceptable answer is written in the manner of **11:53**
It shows **5:01**
